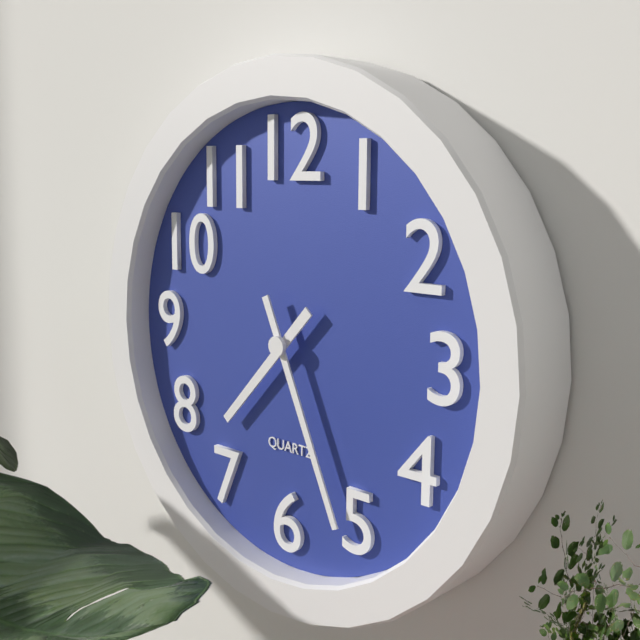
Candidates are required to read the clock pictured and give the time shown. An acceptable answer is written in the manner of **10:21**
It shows **7:26**
